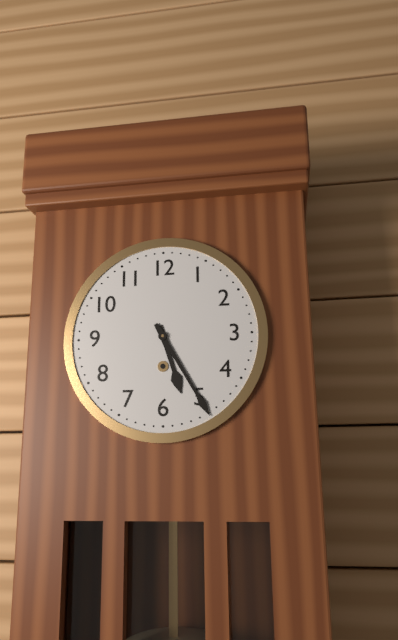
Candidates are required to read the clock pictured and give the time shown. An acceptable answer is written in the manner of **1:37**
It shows **5:25**
